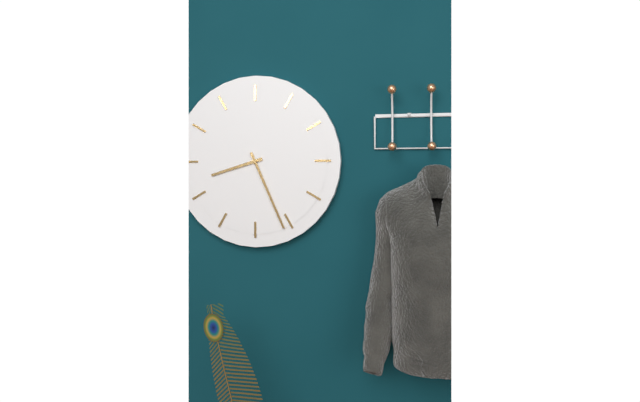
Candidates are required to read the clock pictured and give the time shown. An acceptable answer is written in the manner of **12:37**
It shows **8:26**
